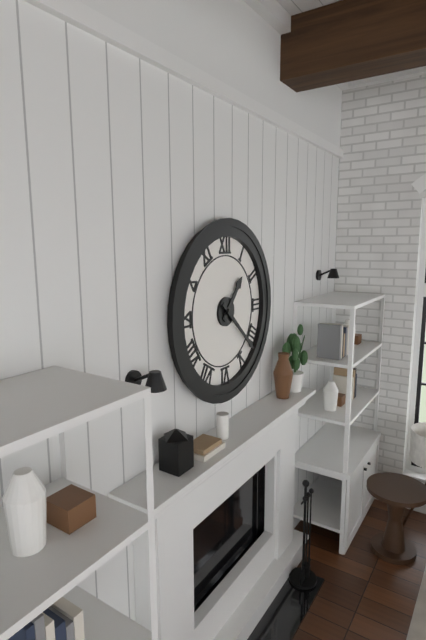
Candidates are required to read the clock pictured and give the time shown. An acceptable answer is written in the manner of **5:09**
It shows **1:22**
